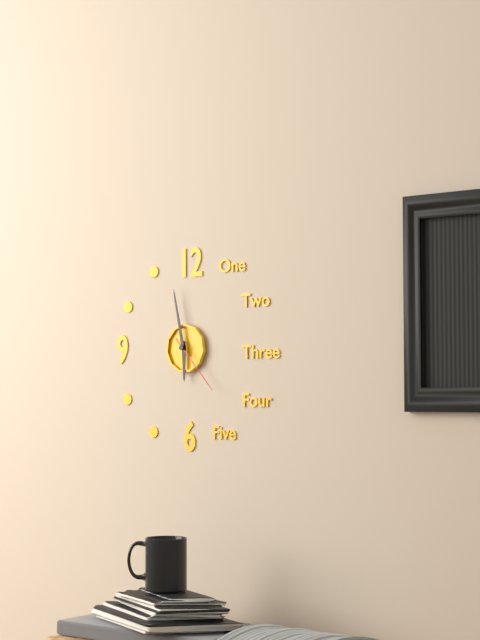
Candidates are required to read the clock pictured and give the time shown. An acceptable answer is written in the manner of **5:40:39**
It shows **5:58:23**
